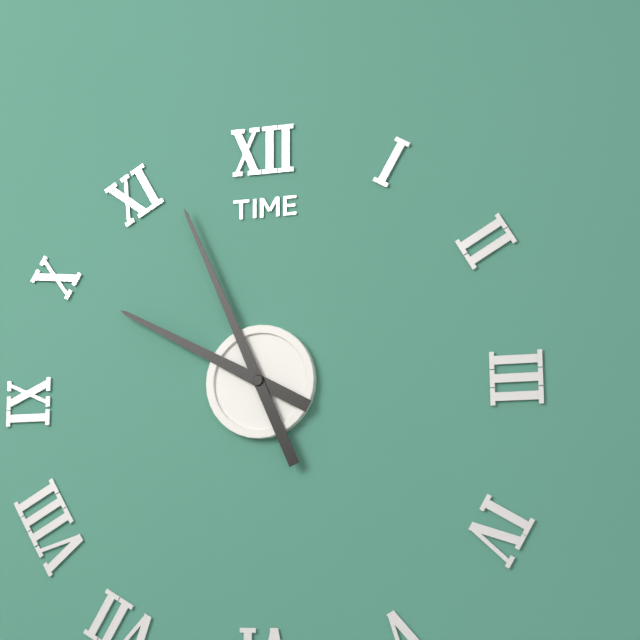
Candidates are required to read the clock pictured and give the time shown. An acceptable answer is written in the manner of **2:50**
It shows **9:56**
